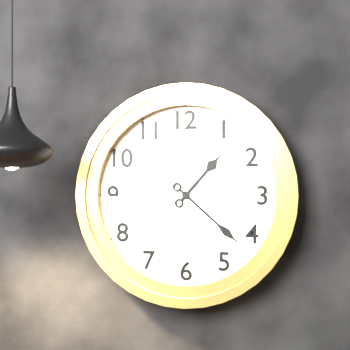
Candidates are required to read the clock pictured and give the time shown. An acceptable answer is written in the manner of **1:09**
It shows **1:22**
